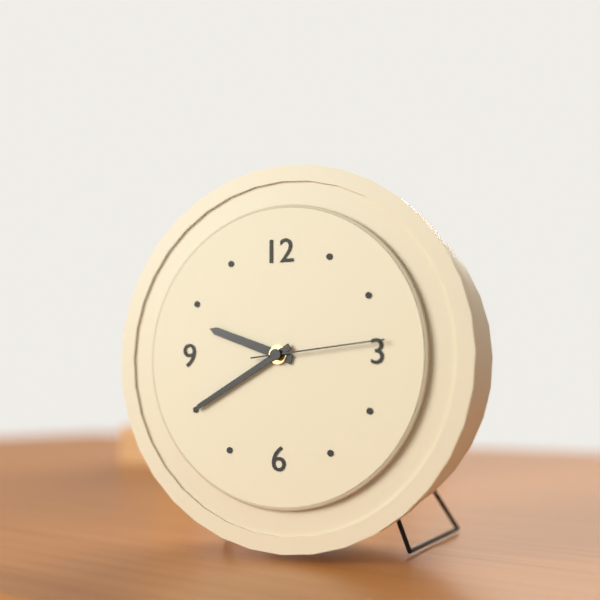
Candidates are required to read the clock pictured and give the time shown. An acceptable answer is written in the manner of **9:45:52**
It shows **9:40:14**
